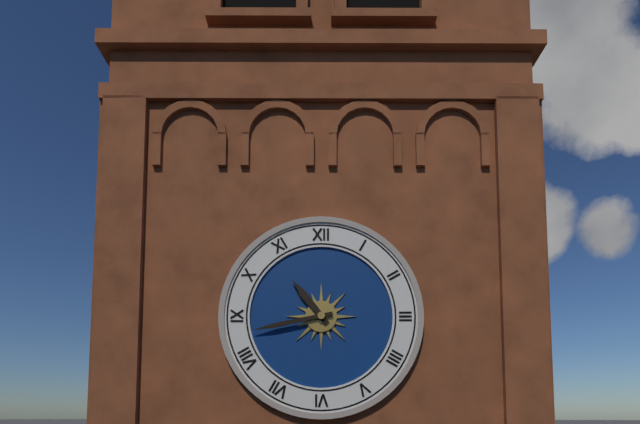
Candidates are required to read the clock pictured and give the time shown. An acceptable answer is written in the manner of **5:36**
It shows **10:43**
